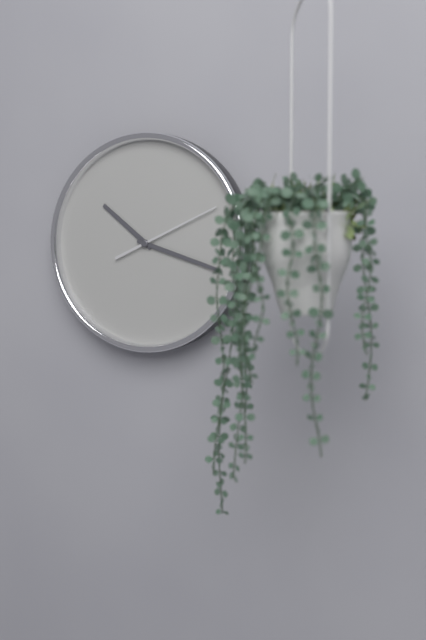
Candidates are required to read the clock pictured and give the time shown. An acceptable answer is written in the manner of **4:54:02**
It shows **10:18:11**
